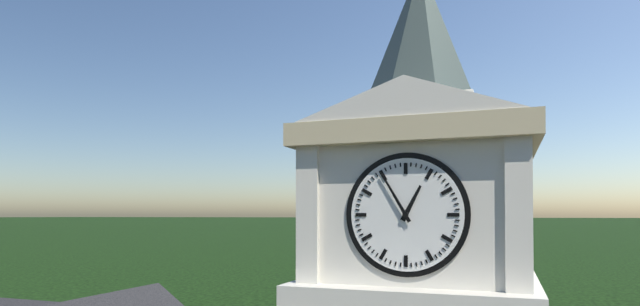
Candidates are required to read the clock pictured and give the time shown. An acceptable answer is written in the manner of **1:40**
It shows **12:55**
